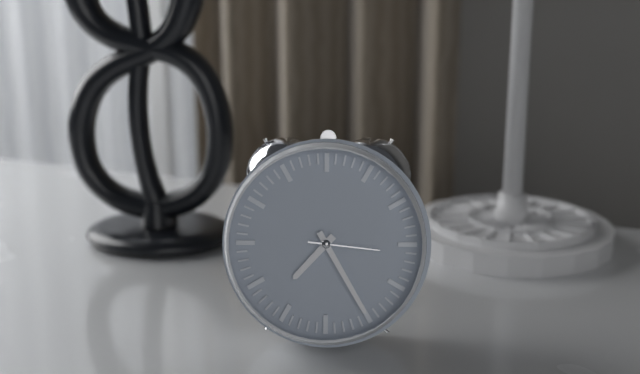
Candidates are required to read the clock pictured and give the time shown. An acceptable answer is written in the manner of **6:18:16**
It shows **7:25:16**
